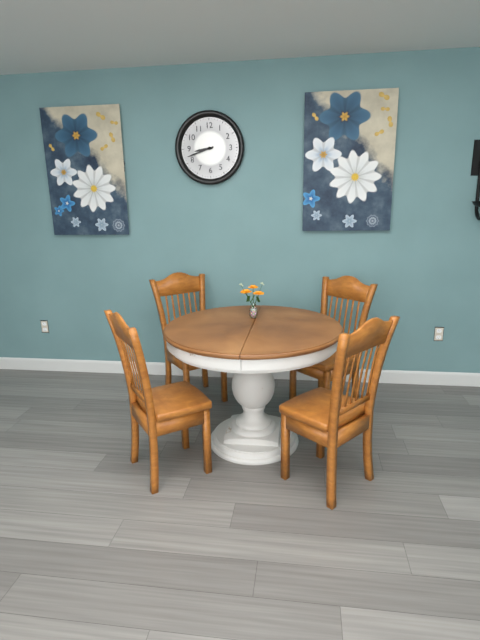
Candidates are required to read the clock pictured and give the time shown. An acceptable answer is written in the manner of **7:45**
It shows **8:42**
